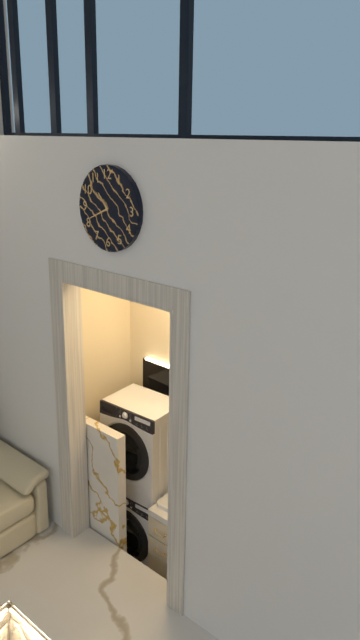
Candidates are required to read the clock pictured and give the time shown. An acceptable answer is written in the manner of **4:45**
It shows **10:41**
